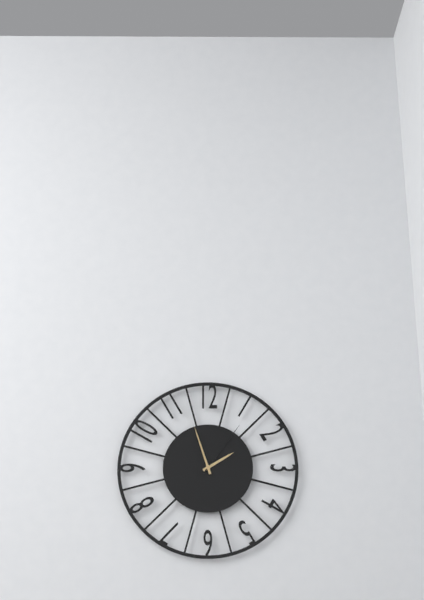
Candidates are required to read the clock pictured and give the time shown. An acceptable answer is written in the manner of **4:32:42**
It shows **1:57:06**
